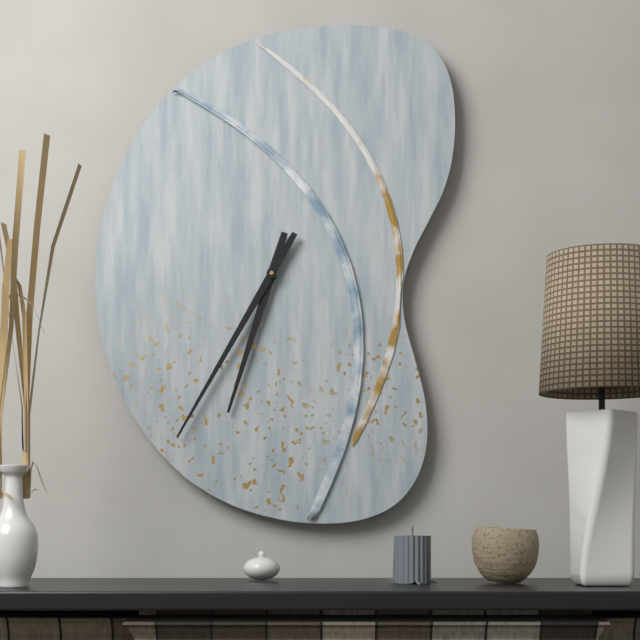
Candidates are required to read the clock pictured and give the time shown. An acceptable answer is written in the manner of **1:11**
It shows **6:35**
